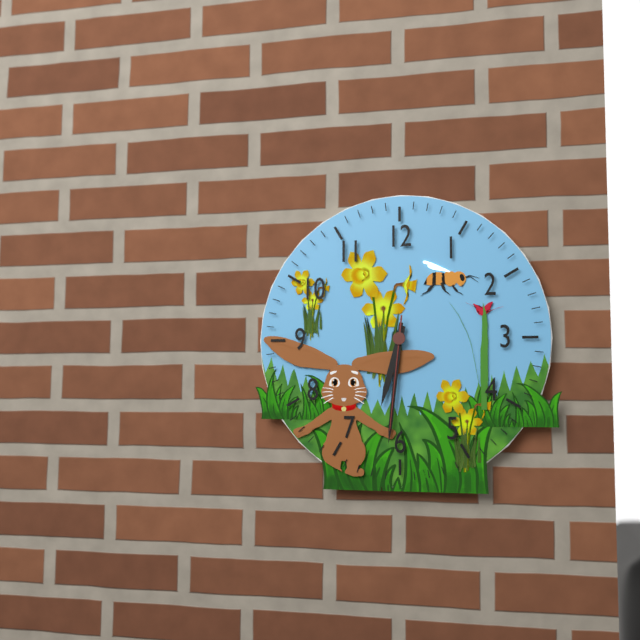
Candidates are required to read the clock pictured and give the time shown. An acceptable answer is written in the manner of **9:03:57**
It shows **6:31:31**
